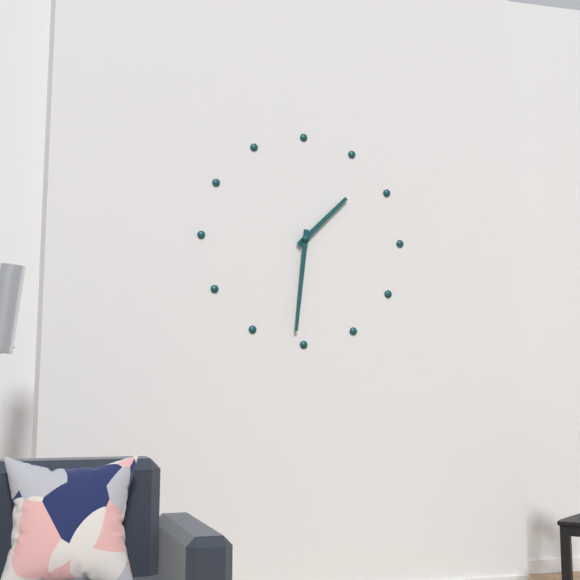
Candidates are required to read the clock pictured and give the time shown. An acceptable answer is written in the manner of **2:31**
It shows **1:31**
